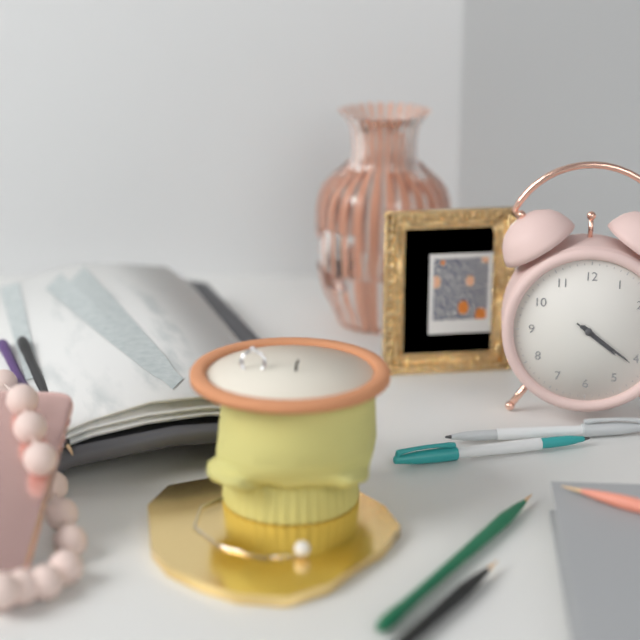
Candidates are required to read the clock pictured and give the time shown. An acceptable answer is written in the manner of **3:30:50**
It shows **4:21:21**
